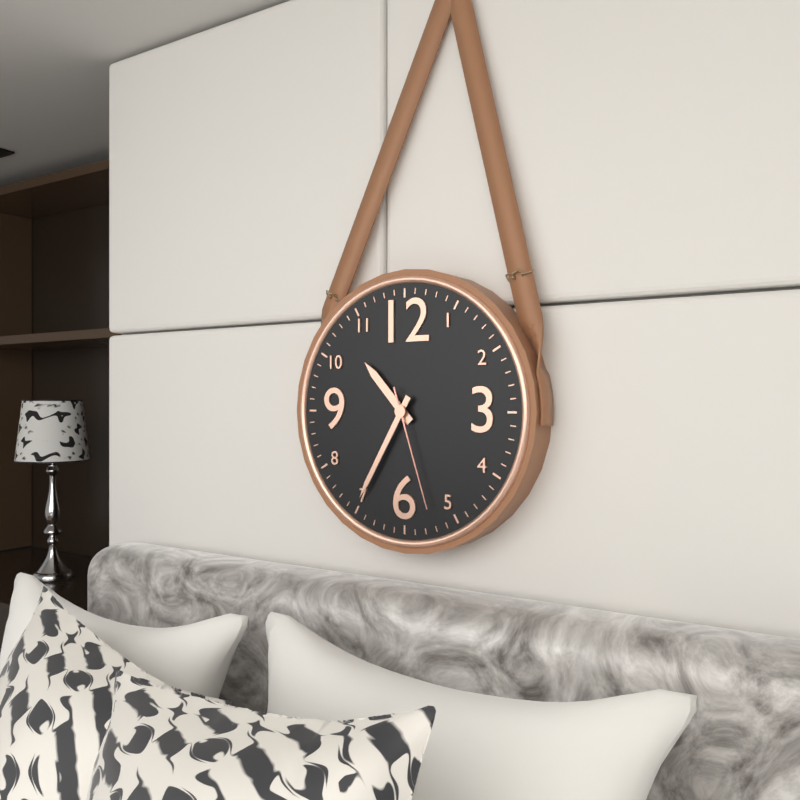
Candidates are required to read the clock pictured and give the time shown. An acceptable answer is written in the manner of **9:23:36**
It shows **10:35:27**
